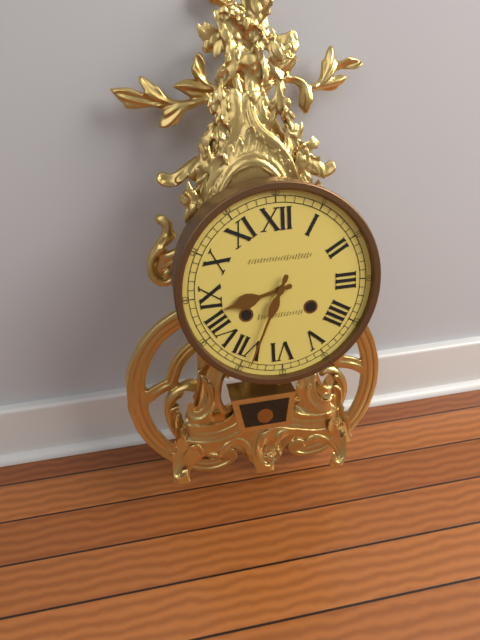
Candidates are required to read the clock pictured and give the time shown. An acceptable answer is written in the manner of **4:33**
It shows **8:34**
